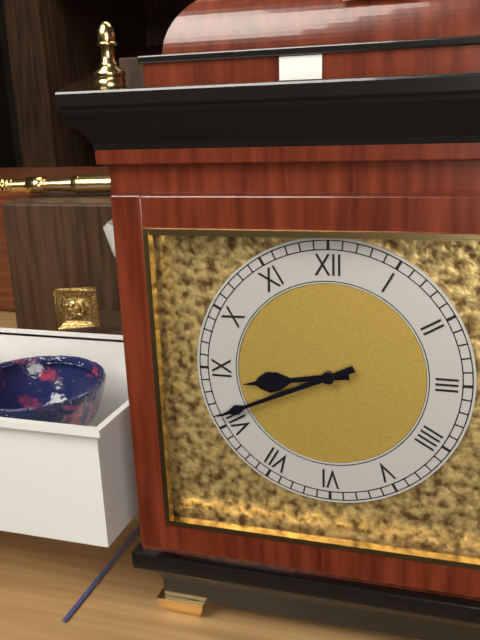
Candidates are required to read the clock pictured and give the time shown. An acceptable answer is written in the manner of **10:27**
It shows **8:41**
